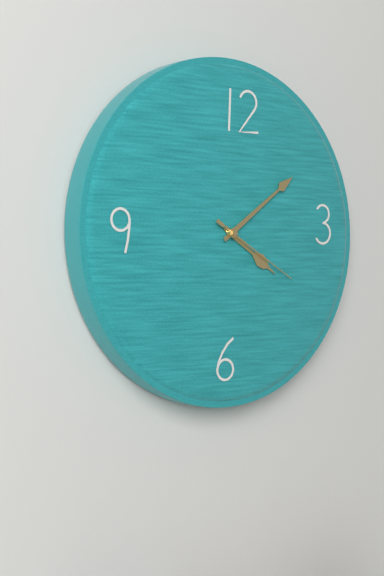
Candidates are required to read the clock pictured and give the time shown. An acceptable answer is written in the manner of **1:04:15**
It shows **4:09:20**
